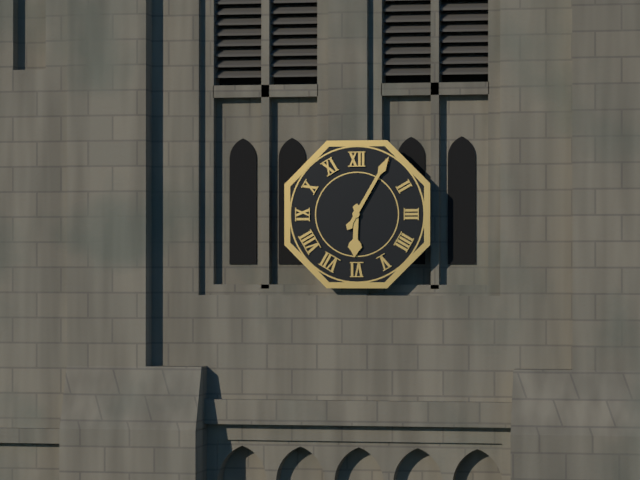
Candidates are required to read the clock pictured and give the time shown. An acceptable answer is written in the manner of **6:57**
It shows **6:05**
